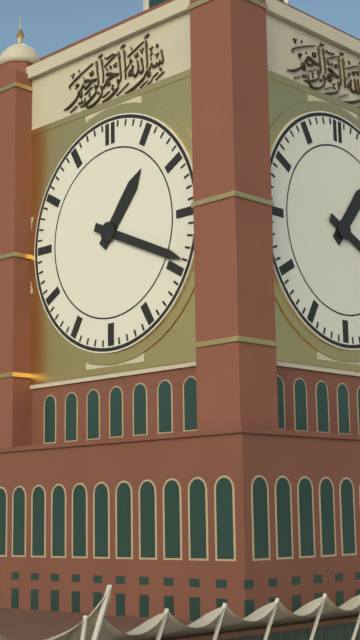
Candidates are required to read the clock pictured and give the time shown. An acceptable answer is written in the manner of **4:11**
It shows **1:19**
